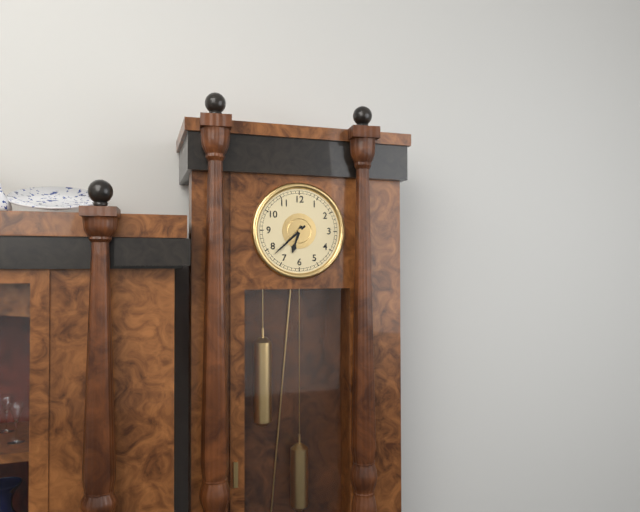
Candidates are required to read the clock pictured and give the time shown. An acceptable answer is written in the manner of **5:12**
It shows **6:38**
